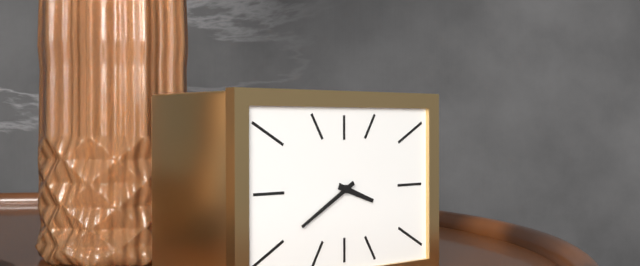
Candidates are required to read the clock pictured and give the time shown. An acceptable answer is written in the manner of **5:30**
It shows **3:40**
